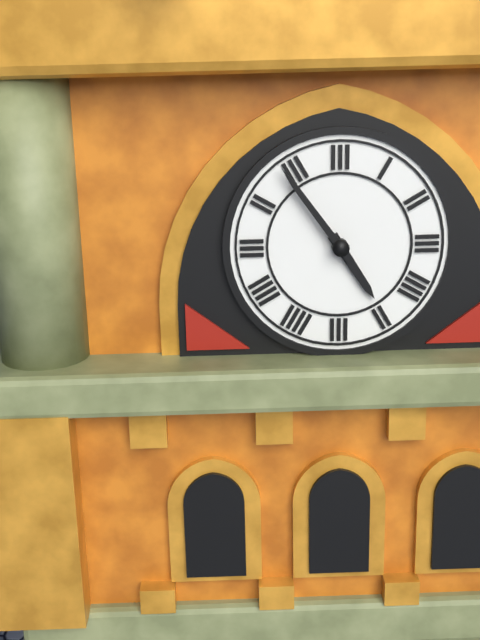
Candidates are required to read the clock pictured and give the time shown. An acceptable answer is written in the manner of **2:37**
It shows **4:54**
